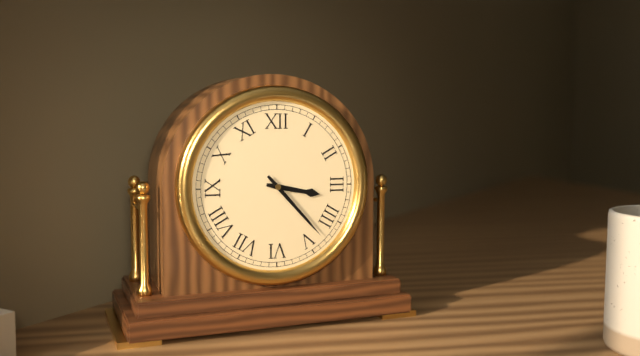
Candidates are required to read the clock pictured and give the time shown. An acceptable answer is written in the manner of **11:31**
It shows **3:23**
